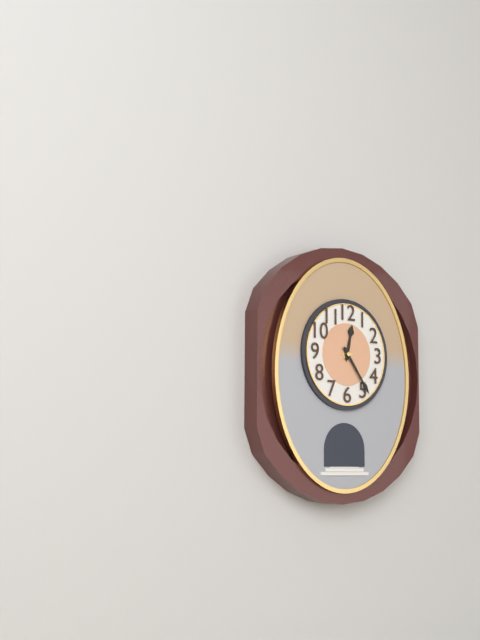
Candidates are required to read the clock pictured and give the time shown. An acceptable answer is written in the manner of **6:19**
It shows **12:24**
